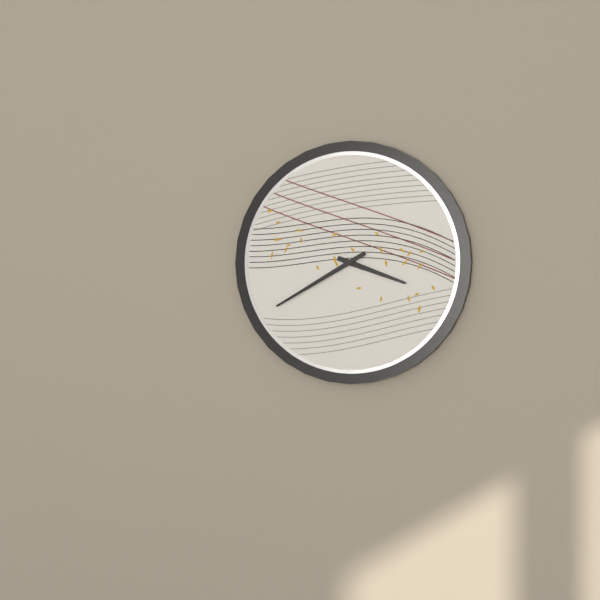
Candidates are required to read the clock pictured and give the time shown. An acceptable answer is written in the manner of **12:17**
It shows **3:40**
